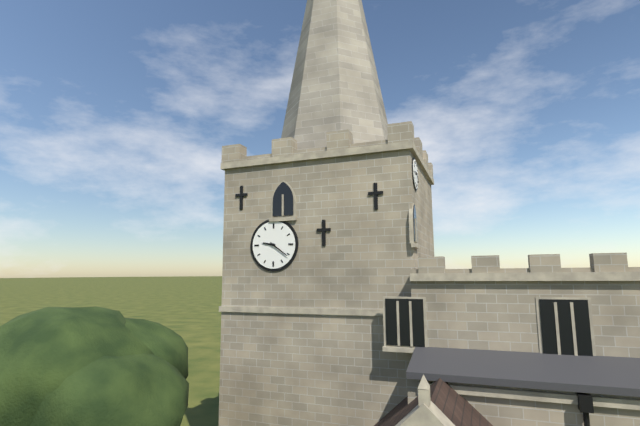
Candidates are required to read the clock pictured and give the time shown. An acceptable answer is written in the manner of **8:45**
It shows **9:21**
